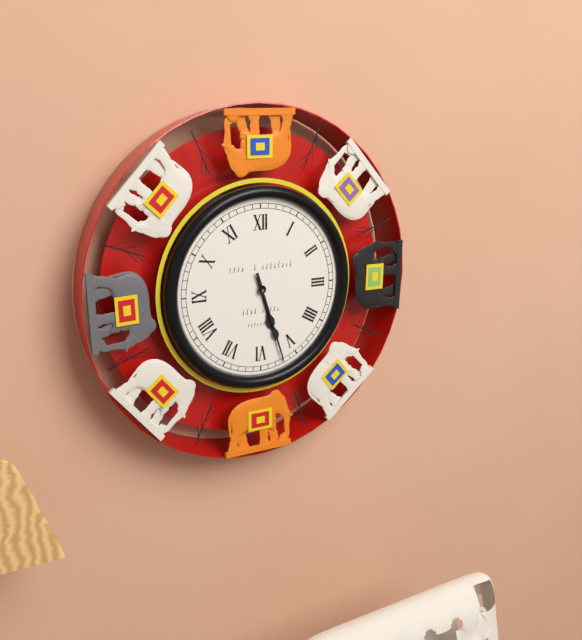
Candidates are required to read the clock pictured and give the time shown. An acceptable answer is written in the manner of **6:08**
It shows **5:27**
